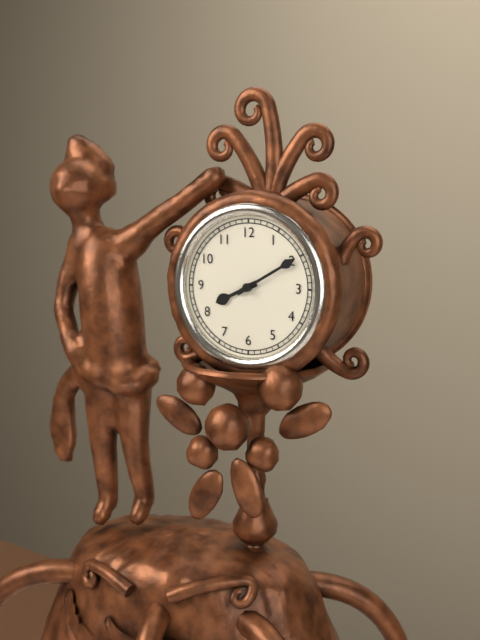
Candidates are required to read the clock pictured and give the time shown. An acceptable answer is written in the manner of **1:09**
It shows **8:10**
